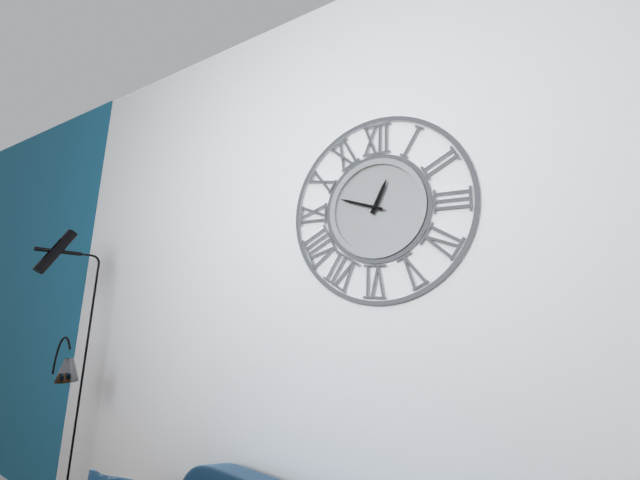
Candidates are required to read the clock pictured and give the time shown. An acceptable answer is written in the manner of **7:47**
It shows **12:48**
